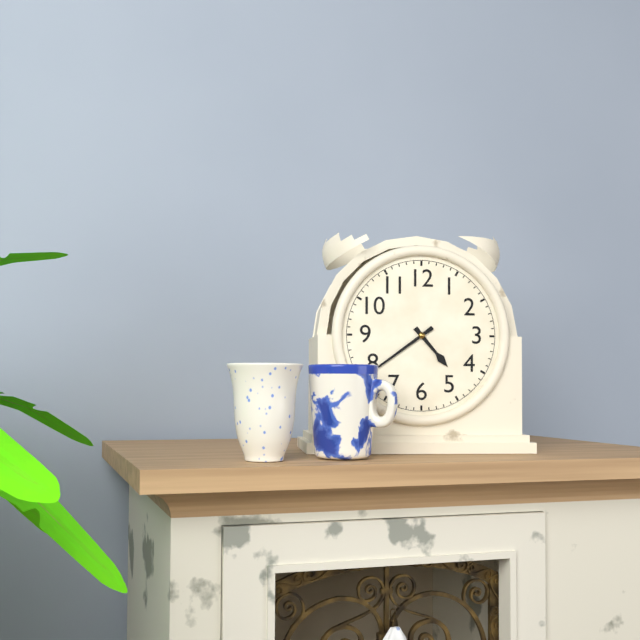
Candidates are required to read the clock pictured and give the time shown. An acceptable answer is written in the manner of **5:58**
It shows **4:39**
